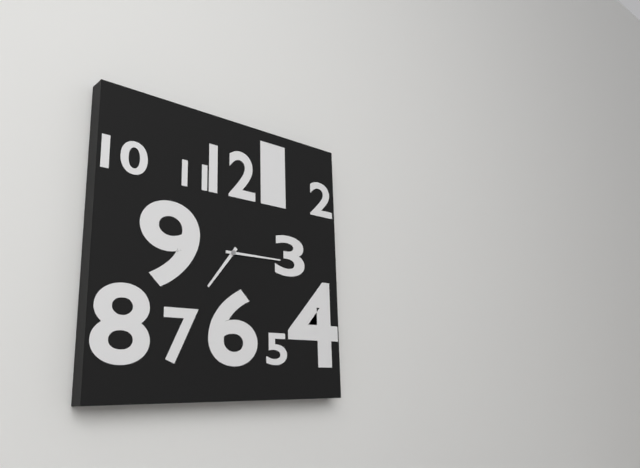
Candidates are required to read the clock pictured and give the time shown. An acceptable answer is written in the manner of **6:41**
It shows **7:15**
